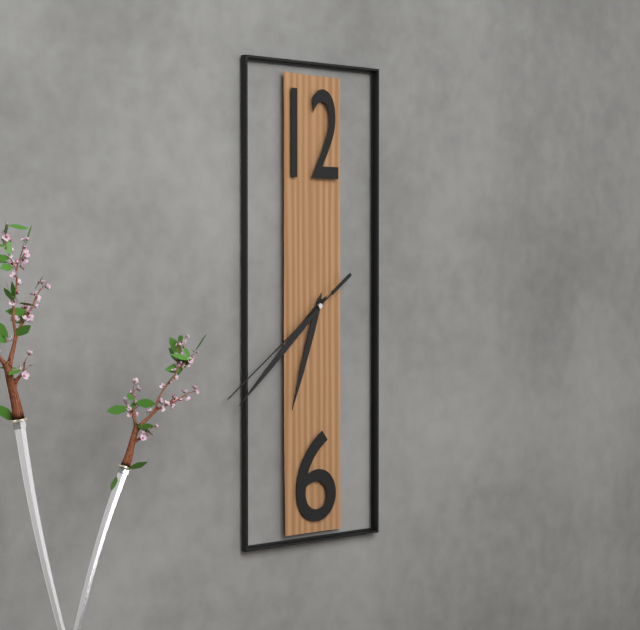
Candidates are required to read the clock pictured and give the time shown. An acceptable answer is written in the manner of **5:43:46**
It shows **6:38:39**
